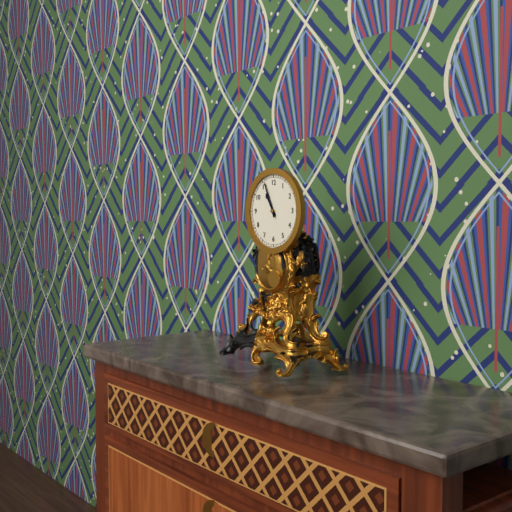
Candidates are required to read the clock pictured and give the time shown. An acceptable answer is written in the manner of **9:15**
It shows **10:56**
